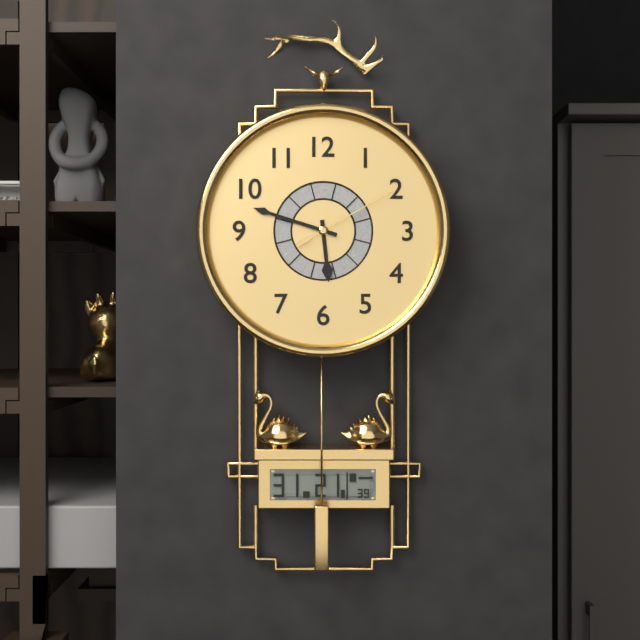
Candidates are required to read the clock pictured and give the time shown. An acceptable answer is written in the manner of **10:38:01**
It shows **5:48:10**
